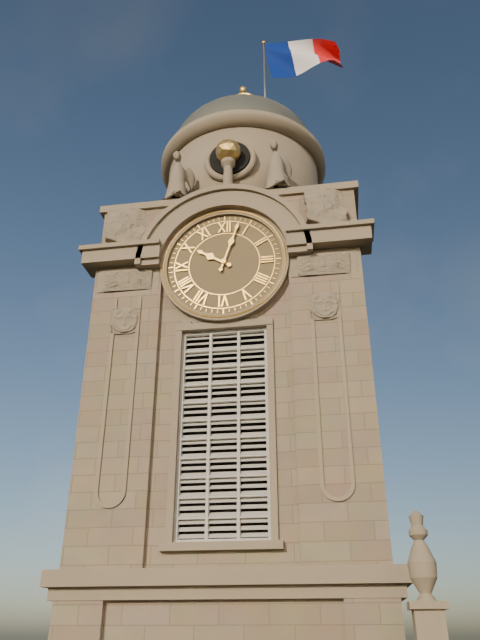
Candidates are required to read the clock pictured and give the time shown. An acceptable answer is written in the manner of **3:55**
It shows **10:03**
